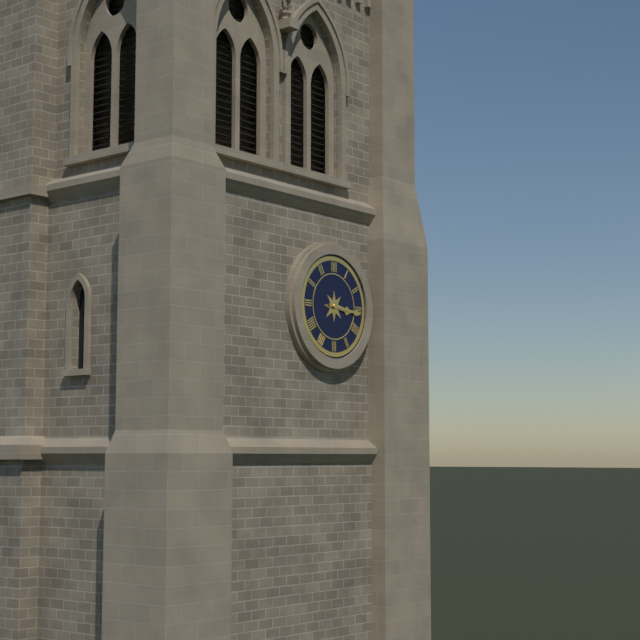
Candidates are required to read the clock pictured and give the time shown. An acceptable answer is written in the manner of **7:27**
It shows **3:16**
